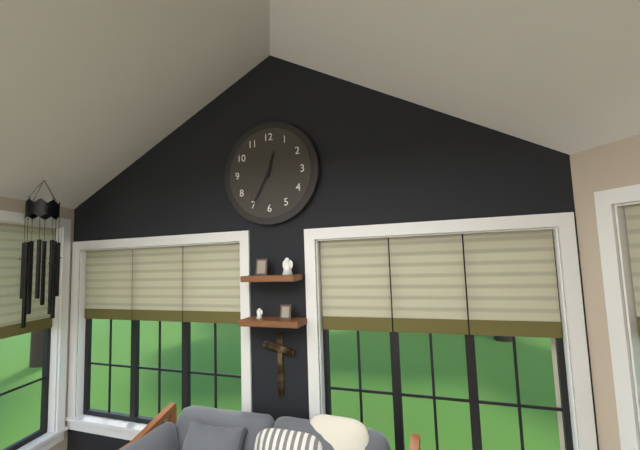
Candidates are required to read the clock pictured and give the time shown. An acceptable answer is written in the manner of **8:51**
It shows **12:35**
